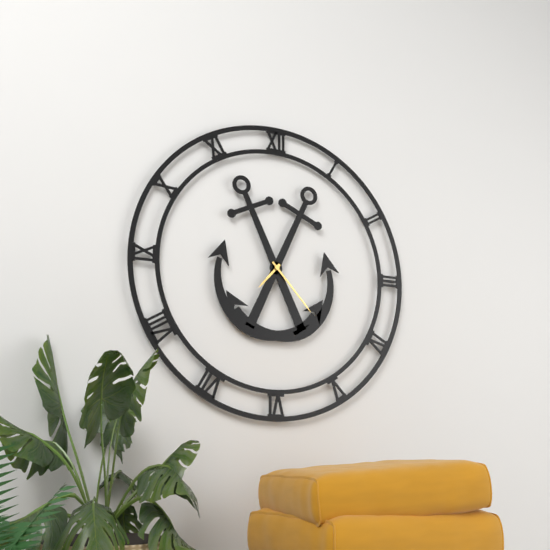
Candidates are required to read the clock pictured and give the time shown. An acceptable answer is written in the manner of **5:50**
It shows **7:23**
